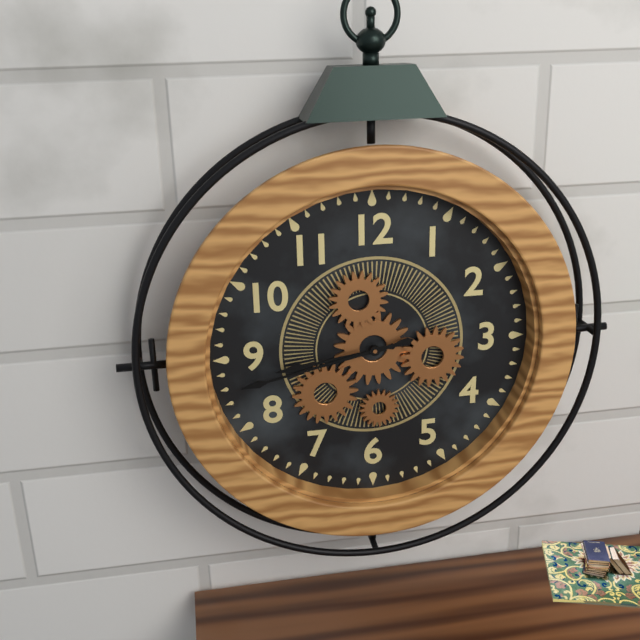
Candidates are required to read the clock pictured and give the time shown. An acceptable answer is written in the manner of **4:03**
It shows **8:43**
